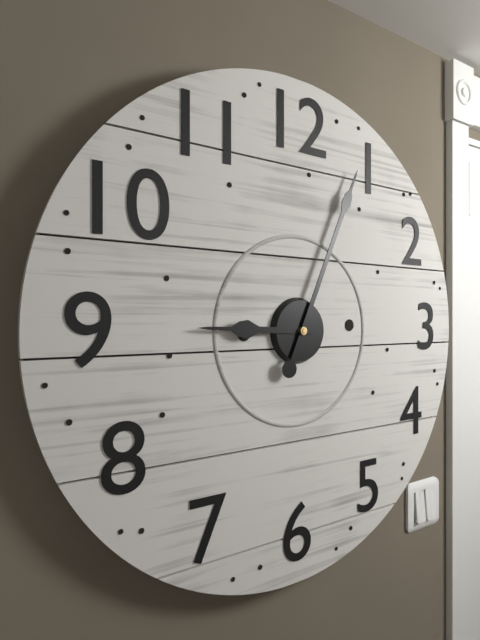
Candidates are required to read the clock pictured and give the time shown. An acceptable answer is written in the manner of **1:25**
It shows **9:04**
